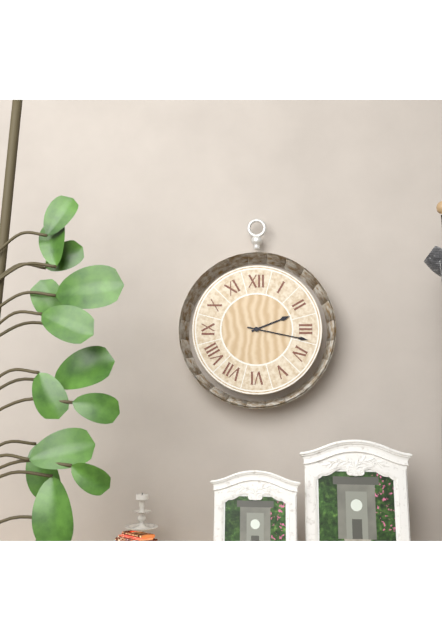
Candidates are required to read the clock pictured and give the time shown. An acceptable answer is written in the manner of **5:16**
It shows **2:17**
